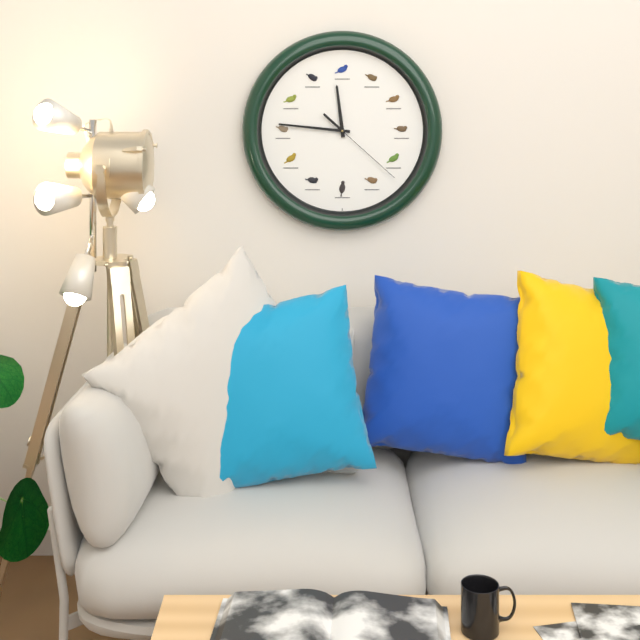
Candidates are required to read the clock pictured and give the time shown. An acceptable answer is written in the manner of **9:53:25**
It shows **11:46:22**
